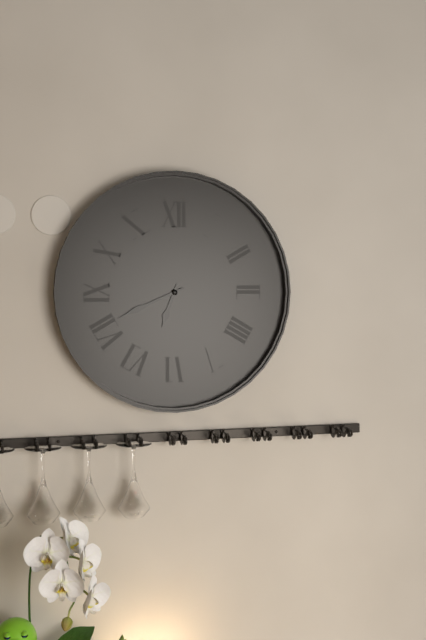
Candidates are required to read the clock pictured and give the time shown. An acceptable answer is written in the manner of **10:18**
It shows **6:41**
